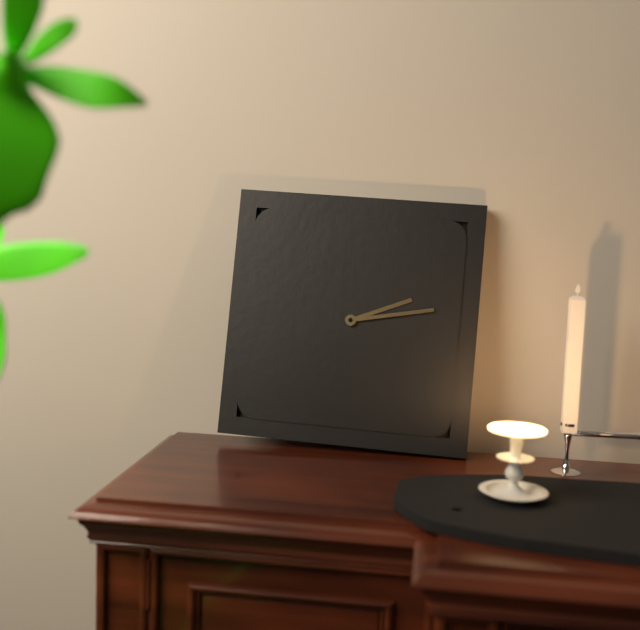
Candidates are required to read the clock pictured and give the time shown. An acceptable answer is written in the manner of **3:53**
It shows **2:13**
